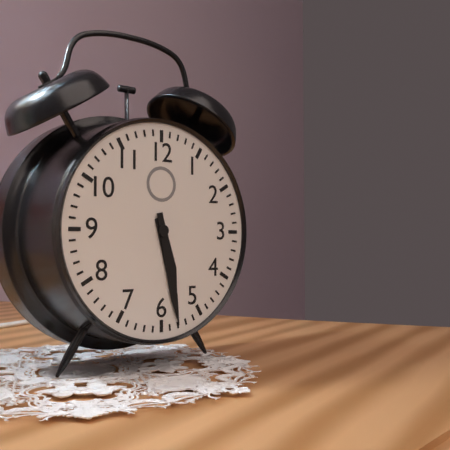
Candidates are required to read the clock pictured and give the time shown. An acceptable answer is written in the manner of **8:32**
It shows **5:28**
